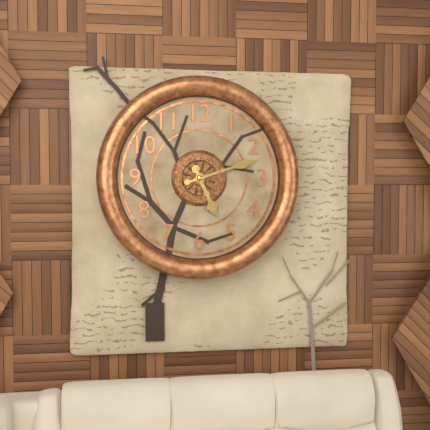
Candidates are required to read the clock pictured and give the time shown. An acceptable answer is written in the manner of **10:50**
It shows **5:12**
